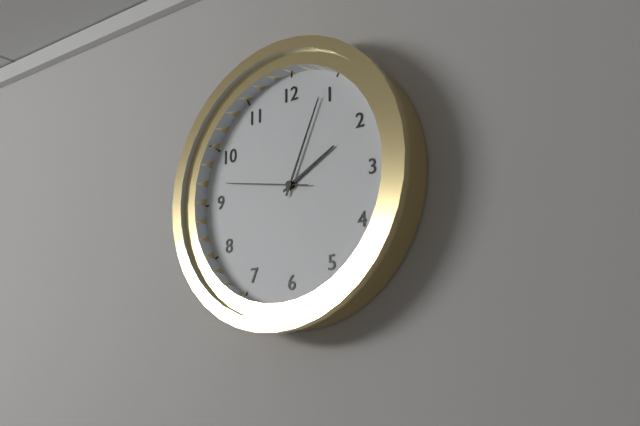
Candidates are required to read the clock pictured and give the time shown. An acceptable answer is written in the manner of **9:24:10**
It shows **2:04:47**
